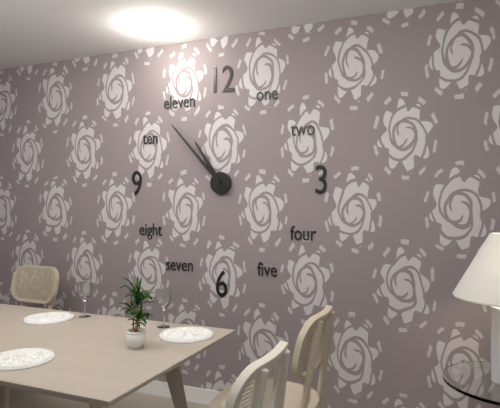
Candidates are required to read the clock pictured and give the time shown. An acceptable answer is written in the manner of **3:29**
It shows **10:53**
